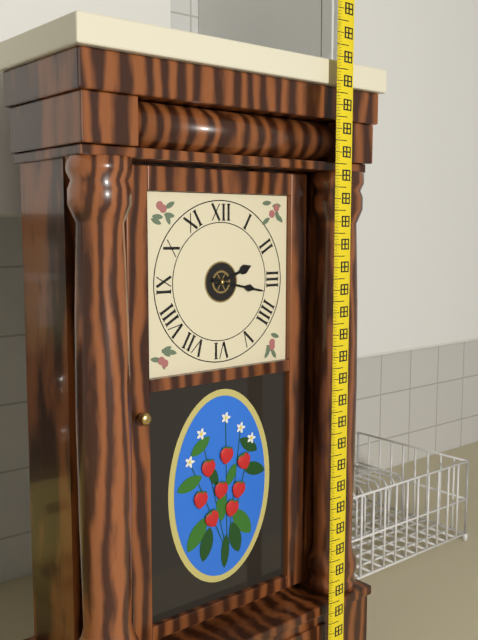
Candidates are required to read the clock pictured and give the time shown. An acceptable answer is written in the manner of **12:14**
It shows **2:17**
